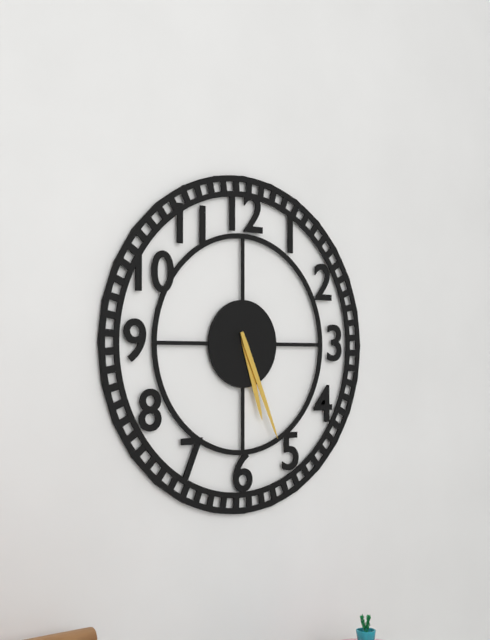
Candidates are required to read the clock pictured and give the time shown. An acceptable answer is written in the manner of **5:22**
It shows **5:26**
